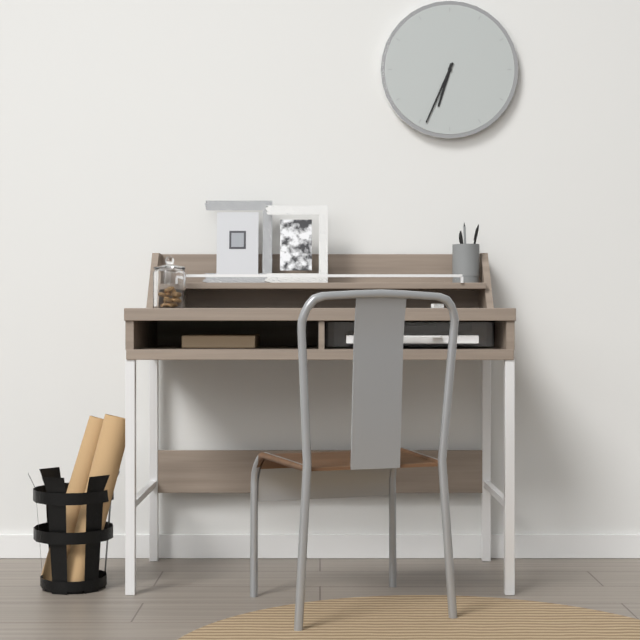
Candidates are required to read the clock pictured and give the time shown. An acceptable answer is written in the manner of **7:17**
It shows **6:34**
